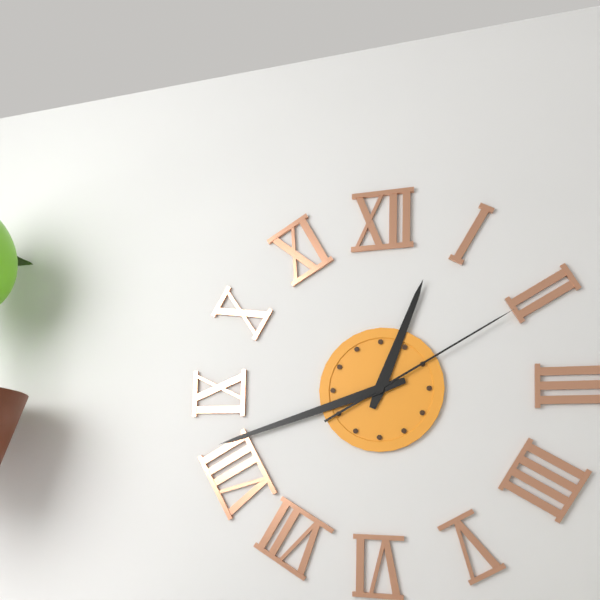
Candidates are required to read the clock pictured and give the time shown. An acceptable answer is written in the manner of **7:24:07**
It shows **12:42:10**
